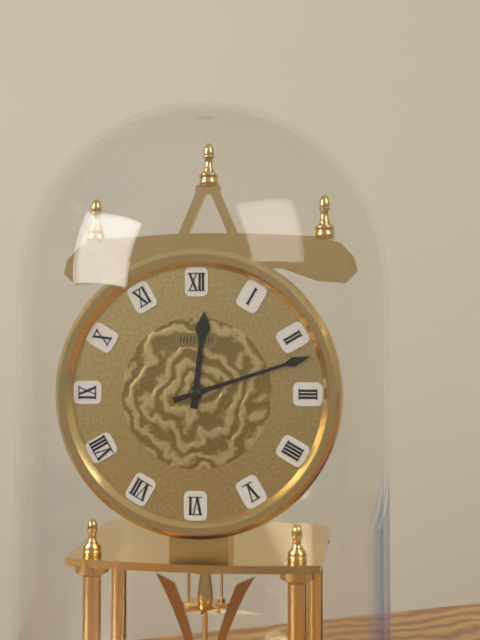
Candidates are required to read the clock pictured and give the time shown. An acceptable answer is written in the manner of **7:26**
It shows **12:12**
